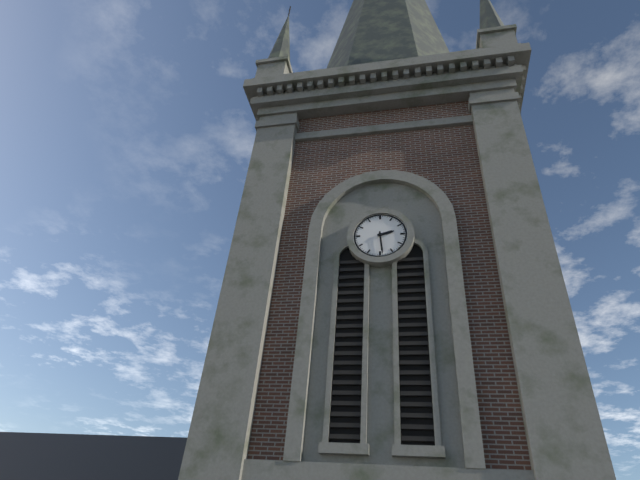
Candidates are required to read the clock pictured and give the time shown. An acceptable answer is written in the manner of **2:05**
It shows **2:29**
